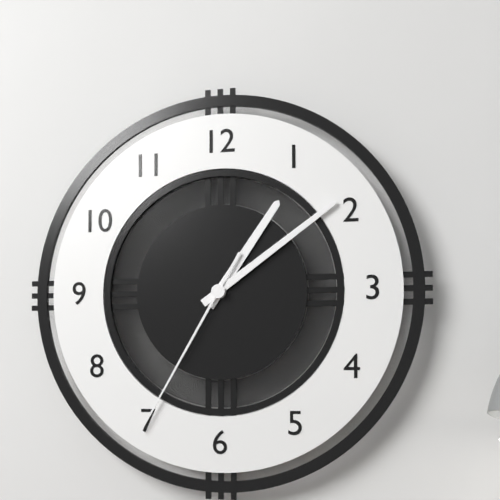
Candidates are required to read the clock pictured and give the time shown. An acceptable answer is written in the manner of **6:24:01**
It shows **1:09:35**
